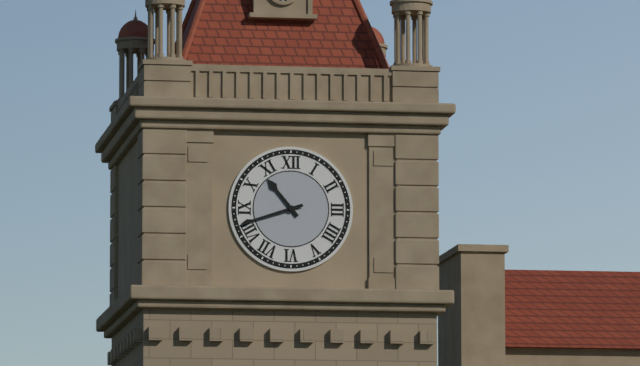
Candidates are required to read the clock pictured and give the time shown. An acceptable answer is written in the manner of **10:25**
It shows **10:42**
